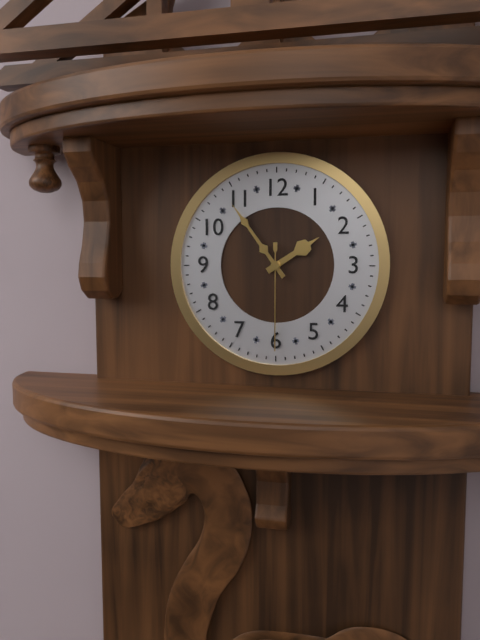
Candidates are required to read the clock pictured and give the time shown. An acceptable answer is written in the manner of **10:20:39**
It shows **1:54:30**
